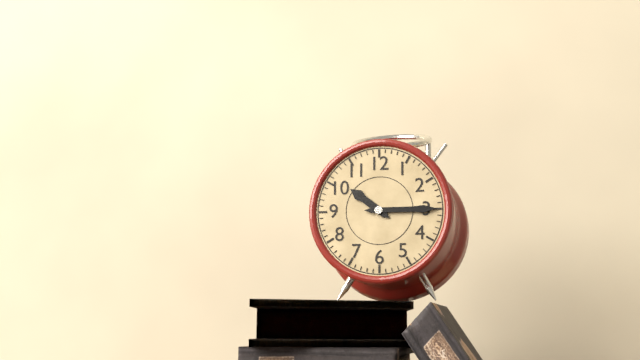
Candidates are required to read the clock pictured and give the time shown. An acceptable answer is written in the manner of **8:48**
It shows **10:15**
